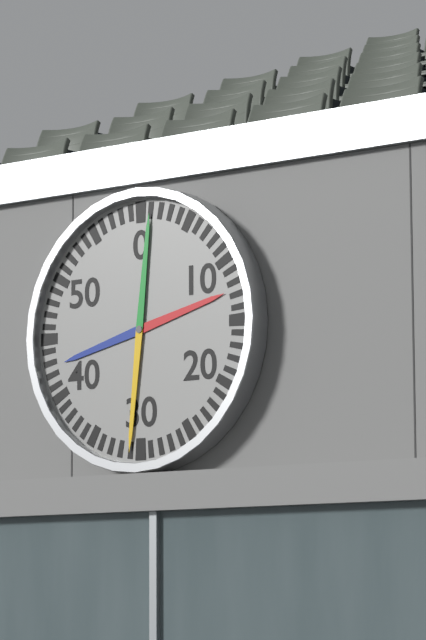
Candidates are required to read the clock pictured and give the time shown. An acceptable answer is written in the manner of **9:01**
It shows **2:31**
